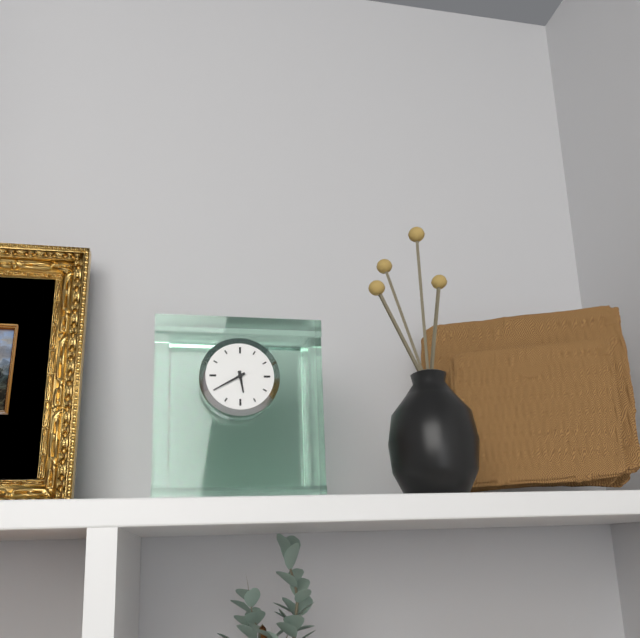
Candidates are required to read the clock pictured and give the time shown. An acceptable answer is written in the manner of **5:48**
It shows **5:40**
